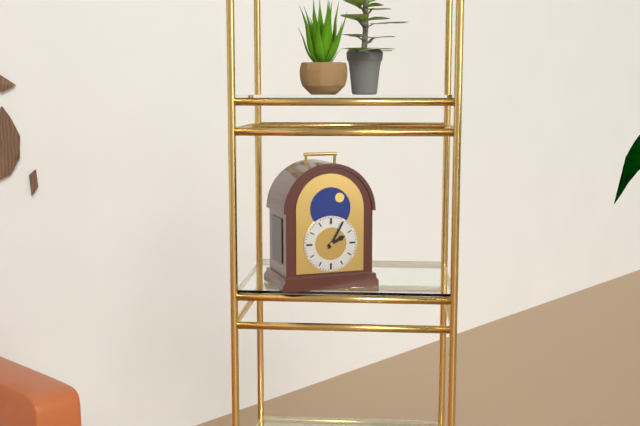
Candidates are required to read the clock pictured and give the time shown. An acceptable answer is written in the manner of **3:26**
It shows **2:05**
